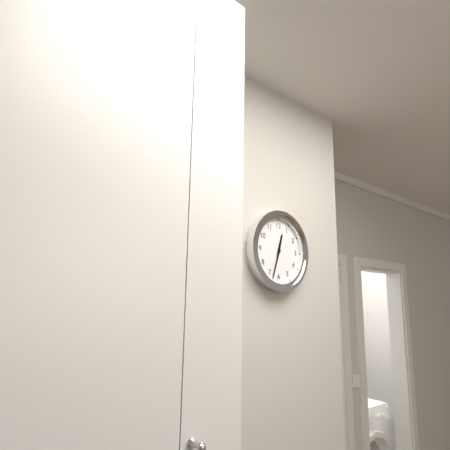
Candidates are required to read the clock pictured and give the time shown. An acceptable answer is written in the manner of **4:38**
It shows **12:33**
